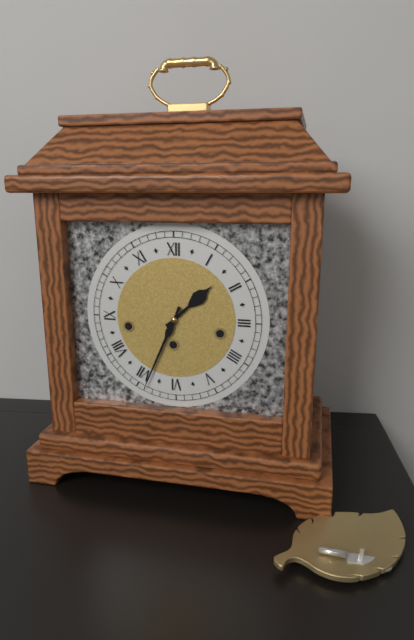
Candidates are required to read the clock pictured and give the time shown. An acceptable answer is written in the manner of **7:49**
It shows **1:34**
